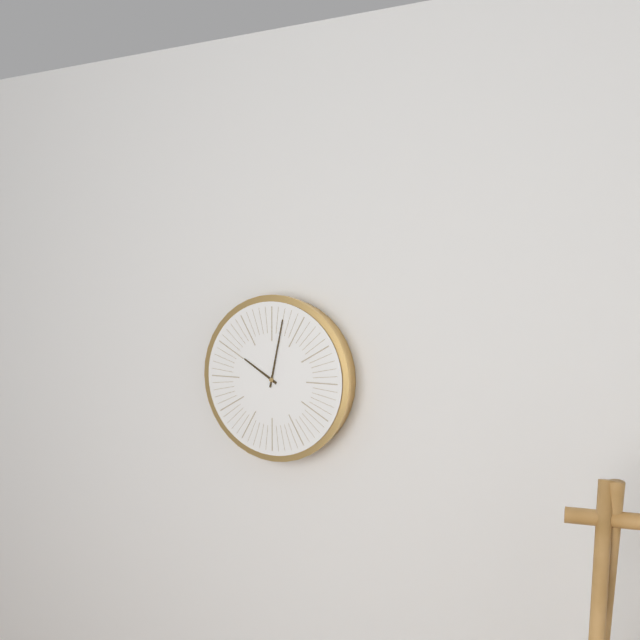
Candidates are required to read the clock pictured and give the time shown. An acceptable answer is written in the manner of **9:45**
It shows **10:02**
